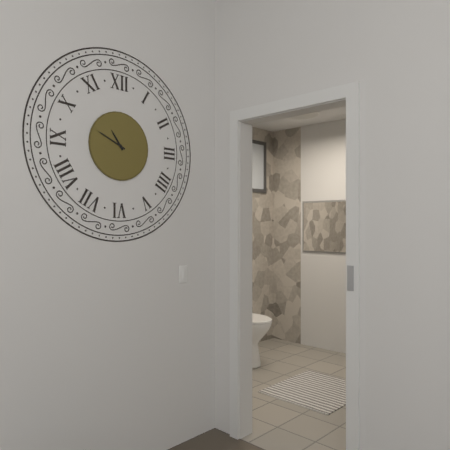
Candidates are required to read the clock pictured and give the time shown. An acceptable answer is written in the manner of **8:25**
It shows **10:49**
